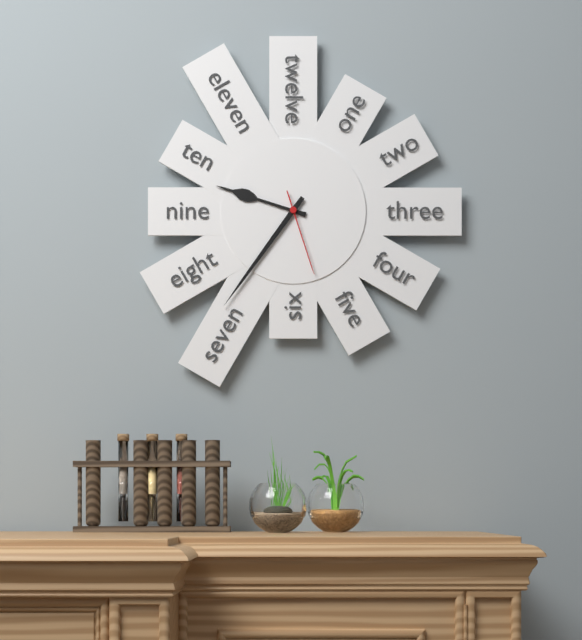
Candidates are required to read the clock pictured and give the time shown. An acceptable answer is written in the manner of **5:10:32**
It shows **9:36:27**
